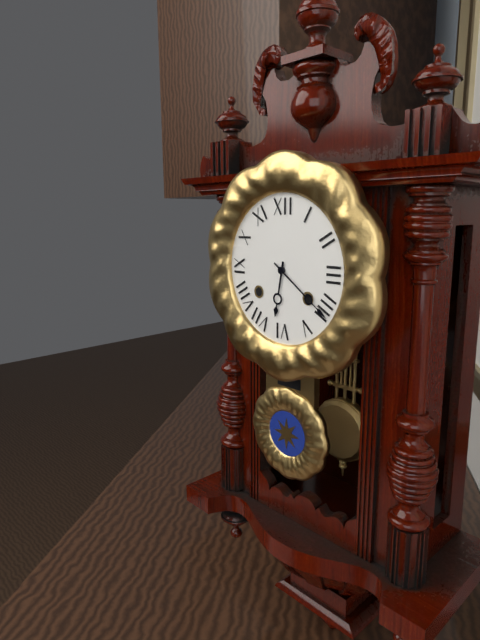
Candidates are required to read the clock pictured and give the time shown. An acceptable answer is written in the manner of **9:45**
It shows **6:21**
